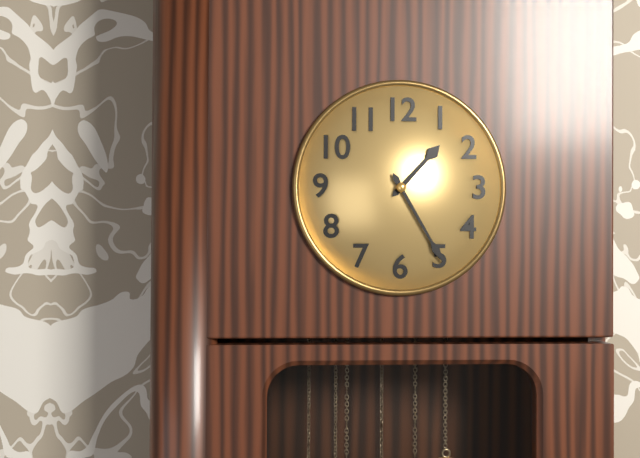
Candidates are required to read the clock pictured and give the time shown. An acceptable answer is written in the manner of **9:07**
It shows **1:25**
